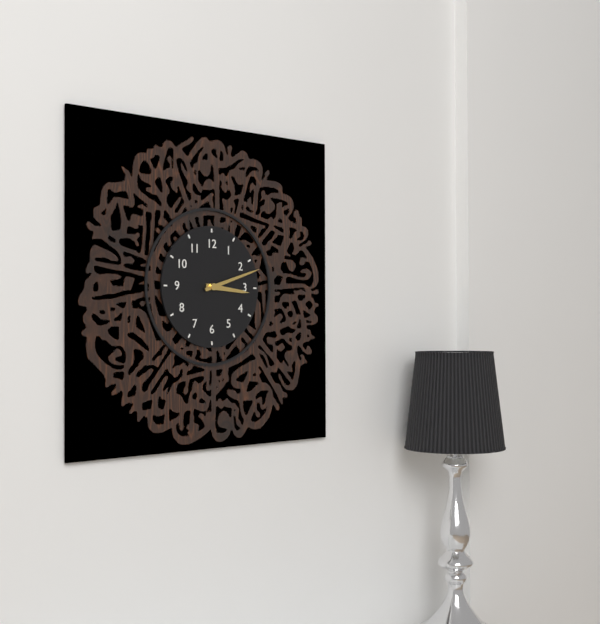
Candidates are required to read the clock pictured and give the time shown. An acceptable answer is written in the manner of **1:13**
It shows **3:12**
